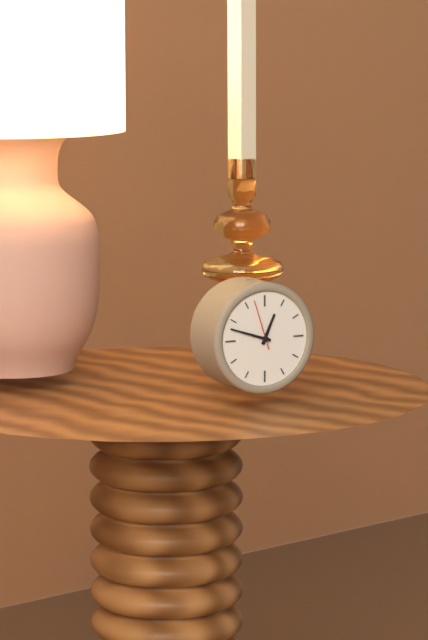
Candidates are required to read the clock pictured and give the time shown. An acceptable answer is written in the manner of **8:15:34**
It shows **12:48:57**
